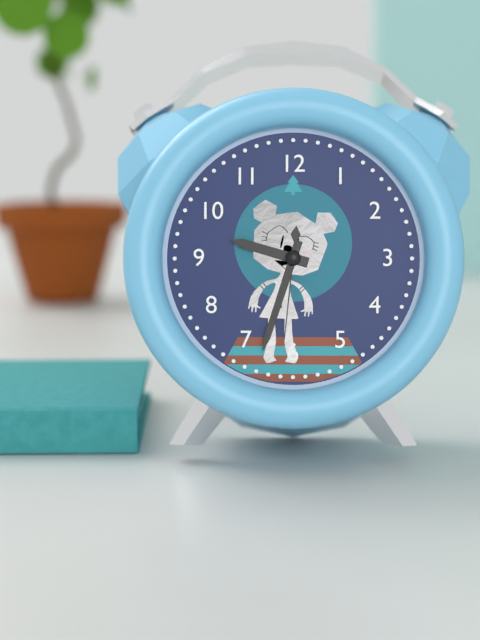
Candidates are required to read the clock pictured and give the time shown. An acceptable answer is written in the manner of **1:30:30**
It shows **9:33:31**
